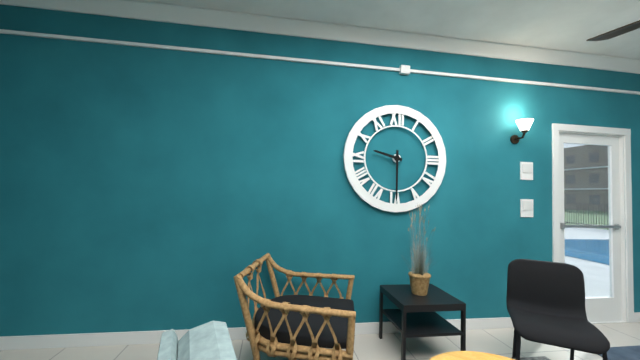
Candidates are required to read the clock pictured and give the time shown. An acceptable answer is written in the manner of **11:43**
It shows **9:30**
